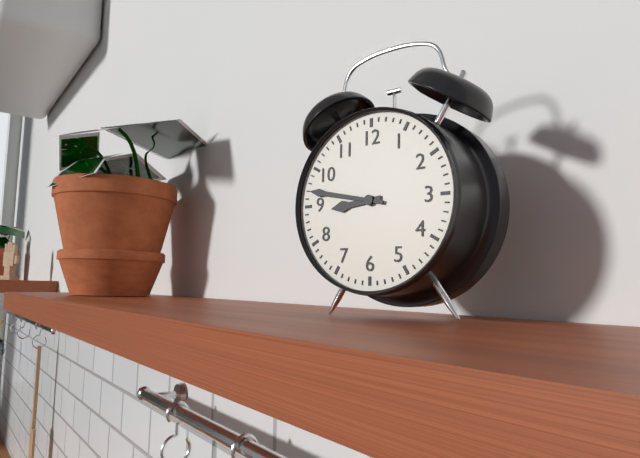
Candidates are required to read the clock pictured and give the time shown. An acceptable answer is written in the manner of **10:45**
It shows **8:47**
